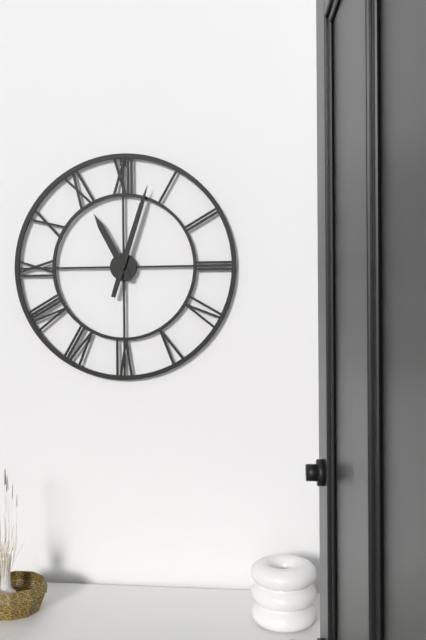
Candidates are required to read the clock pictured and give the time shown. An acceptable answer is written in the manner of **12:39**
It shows **11:03**
